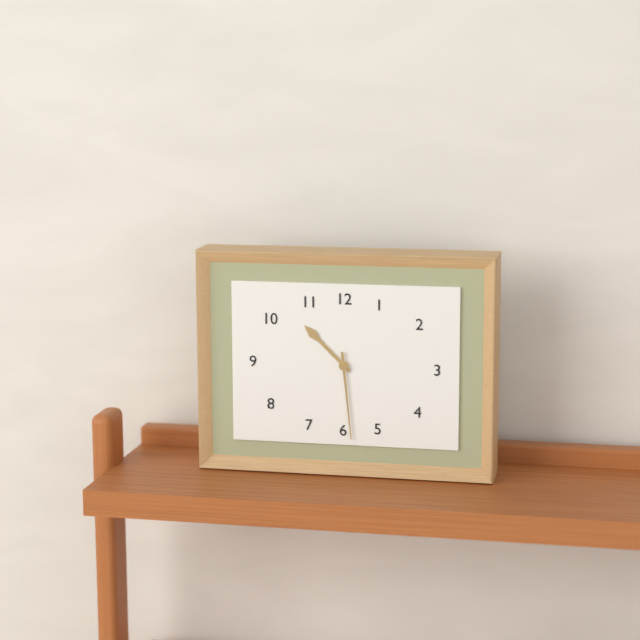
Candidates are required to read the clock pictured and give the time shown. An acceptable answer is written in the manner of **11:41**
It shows **10:29**
